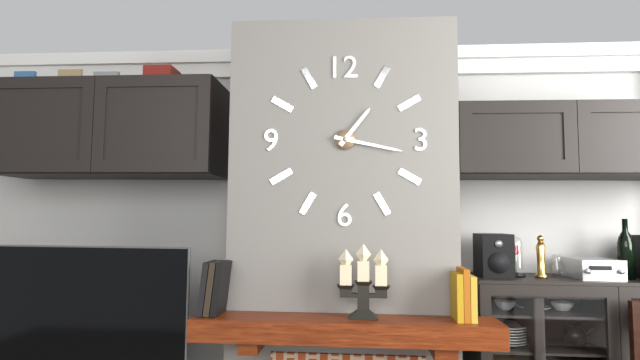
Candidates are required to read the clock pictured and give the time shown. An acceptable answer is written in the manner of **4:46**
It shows **1:17**
